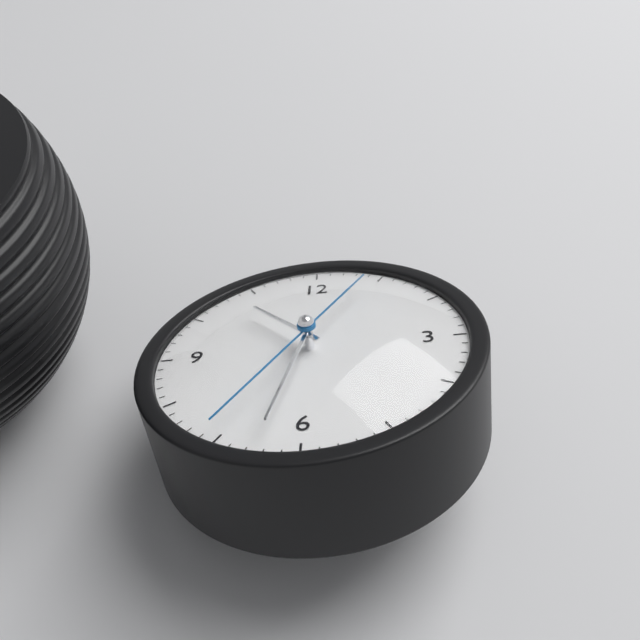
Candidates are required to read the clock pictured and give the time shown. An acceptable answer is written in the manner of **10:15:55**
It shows **10:32:35**
